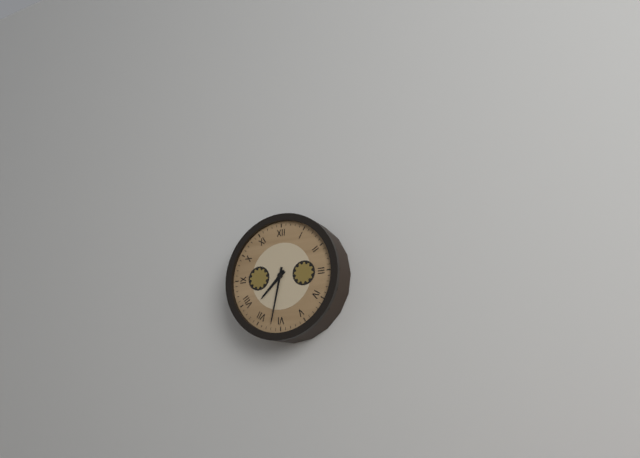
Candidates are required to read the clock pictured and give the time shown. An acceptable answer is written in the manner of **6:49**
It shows **7:32**
